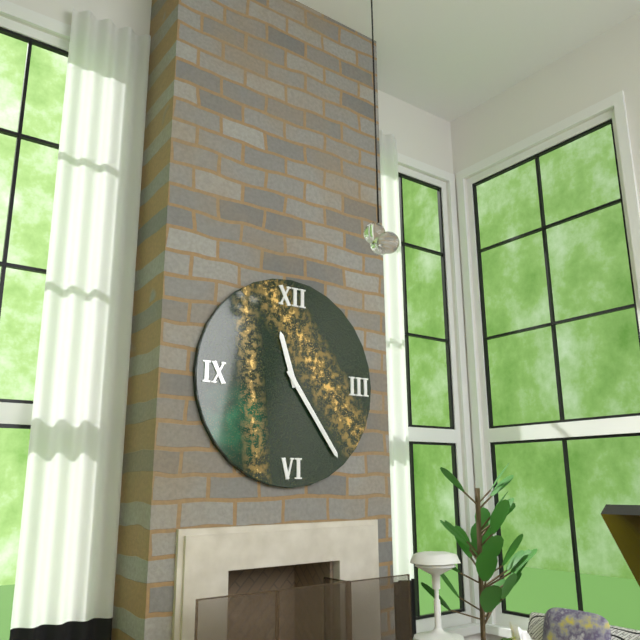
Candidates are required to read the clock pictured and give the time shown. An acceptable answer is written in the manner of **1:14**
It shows **11:24**
